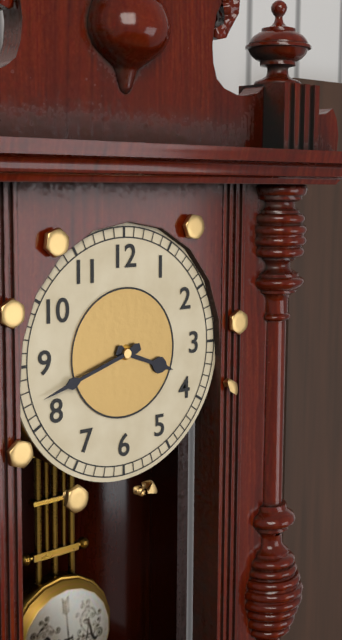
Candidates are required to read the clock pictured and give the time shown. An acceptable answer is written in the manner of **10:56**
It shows **3:42**
